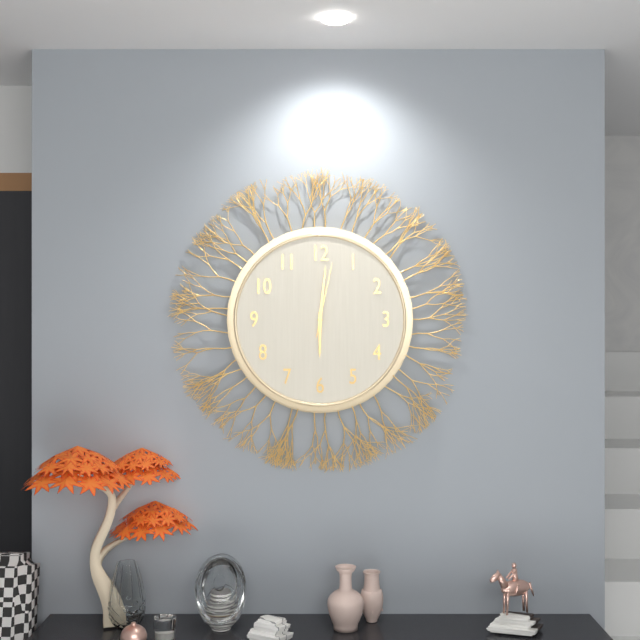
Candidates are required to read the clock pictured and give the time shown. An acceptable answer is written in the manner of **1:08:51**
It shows **6:01:02**
